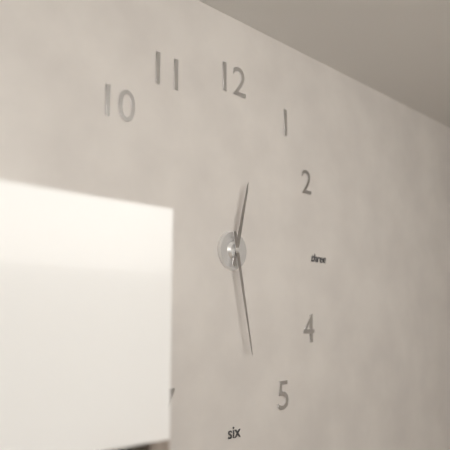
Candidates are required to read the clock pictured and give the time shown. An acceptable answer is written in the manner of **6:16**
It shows **12:28**
